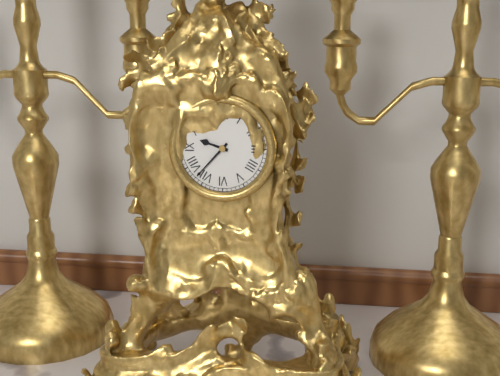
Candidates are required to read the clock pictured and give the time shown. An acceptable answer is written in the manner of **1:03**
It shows **9:37**
